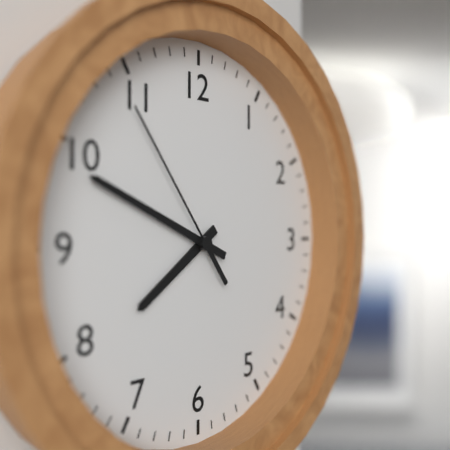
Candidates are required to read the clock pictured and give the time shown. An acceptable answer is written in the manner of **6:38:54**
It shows **7:49:54**
